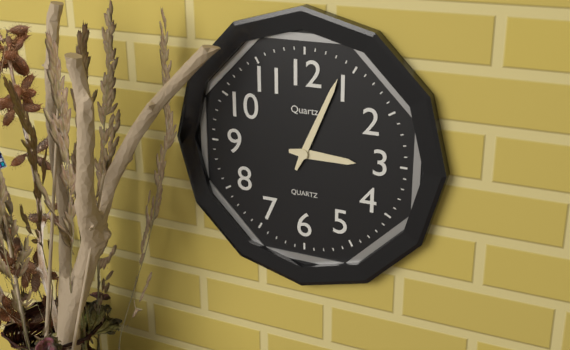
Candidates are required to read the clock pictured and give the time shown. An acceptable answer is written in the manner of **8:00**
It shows **3:04**
